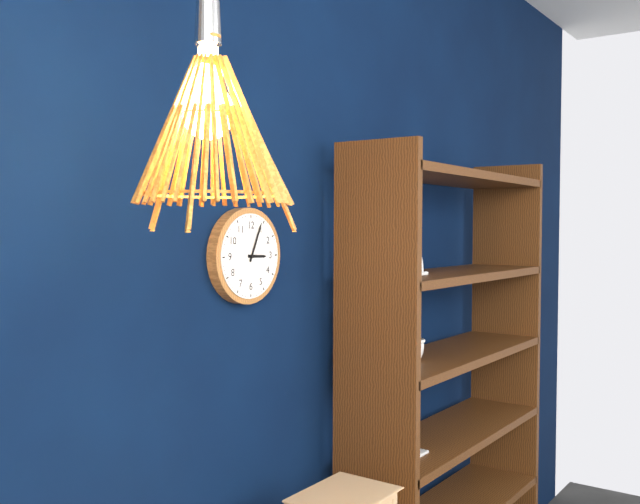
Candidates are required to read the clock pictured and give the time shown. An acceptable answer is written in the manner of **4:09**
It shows **3:04**
